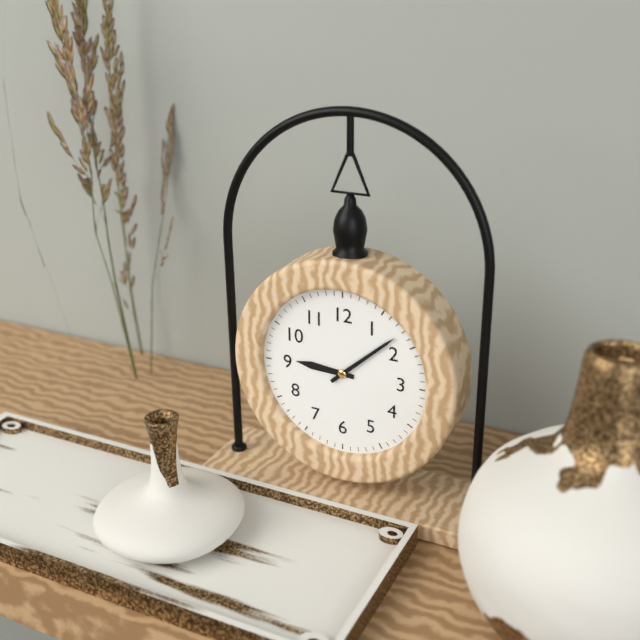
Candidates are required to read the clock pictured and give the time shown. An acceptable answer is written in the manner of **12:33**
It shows **9:08**
